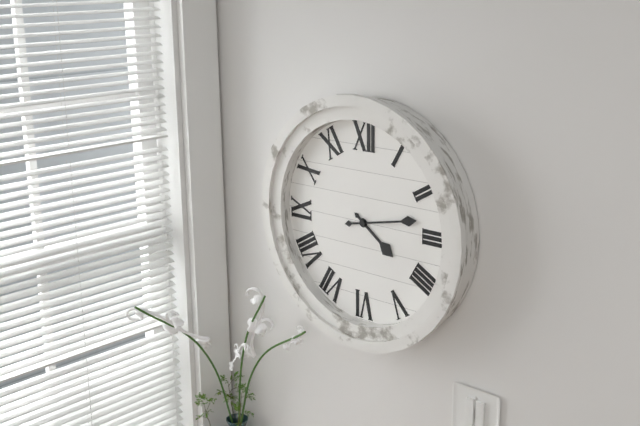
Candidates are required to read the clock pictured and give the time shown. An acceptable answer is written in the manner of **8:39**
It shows **4:13**
